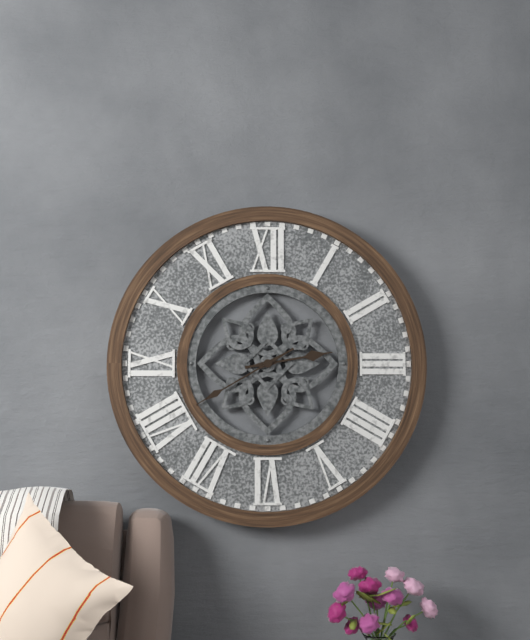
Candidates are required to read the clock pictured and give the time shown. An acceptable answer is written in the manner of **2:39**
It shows **2:40**
